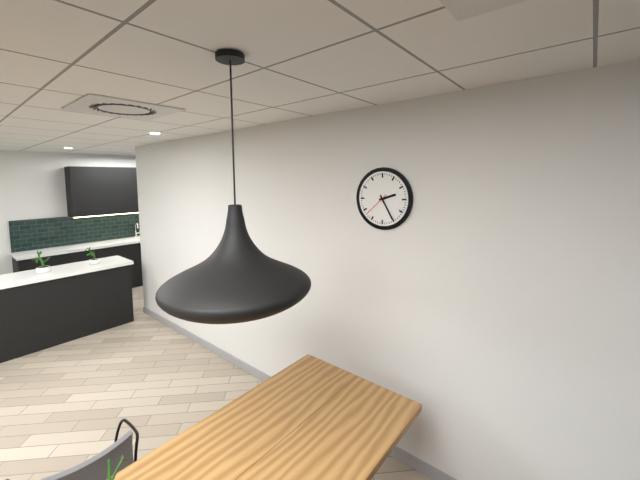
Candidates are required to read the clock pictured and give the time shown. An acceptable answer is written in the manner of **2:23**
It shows **2:25**
